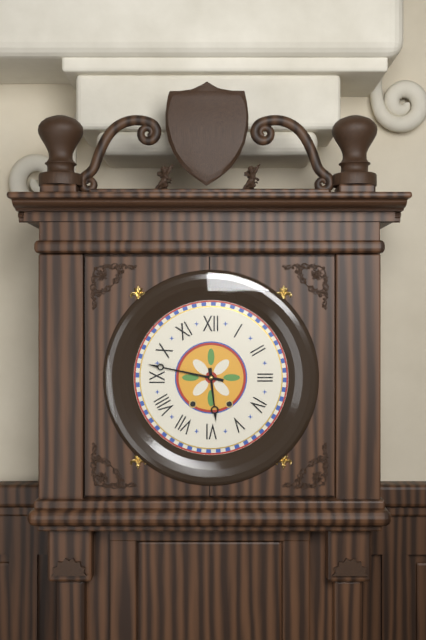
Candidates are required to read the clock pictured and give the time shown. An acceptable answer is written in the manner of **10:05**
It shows **5:47**
